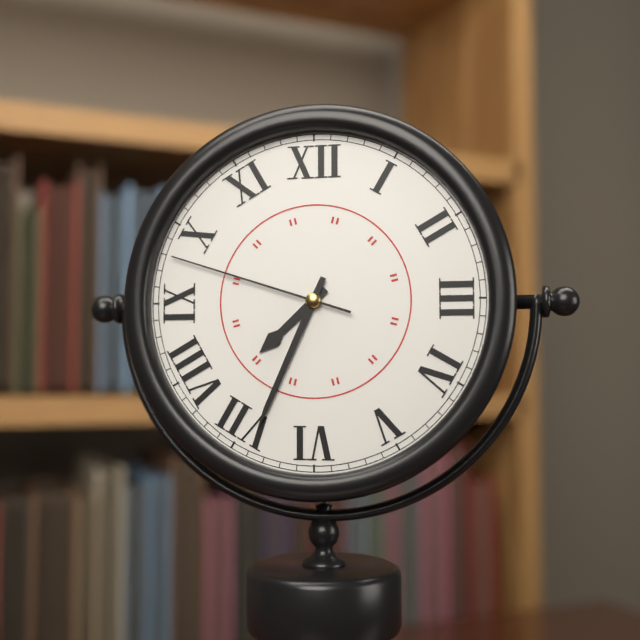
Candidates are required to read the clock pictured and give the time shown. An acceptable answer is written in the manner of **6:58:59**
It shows **7:34:48**
